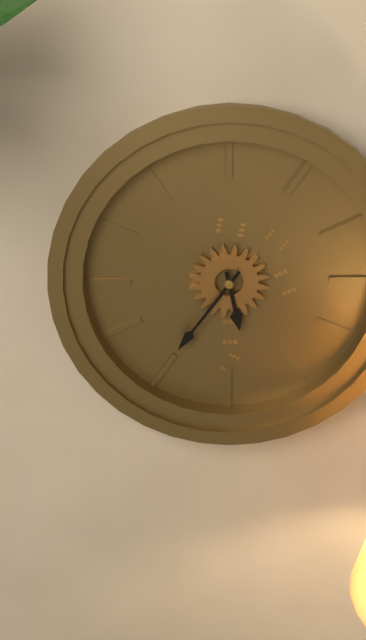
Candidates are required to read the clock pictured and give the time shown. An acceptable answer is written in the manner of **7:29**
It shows **5:36**
